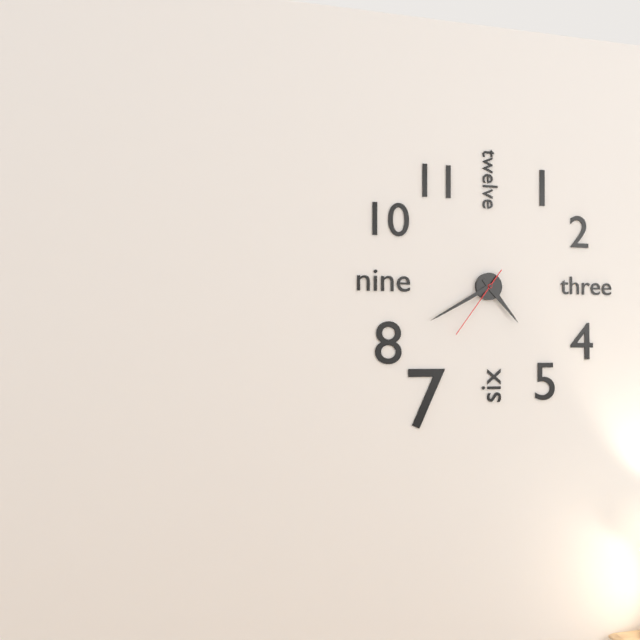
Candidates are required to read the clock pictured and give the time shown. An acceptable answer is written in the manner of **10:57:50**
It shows **4:40:36**
